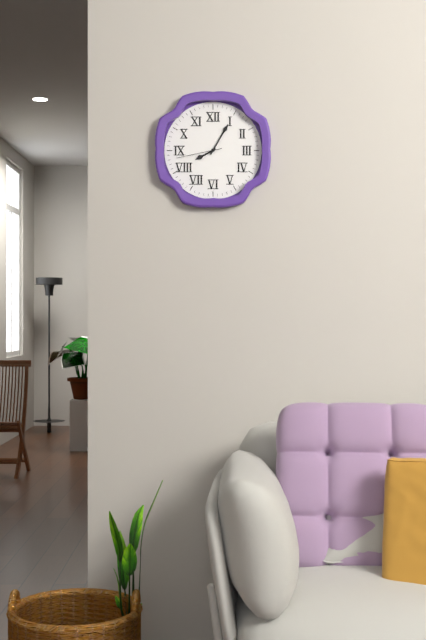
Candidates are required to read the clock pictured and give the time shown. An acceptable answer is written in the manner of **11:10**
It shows **8:05**
